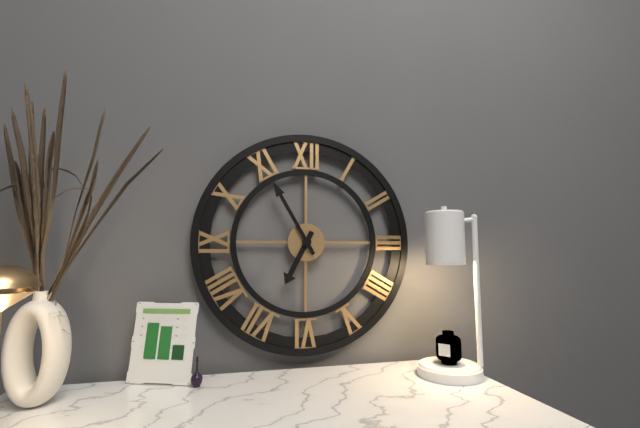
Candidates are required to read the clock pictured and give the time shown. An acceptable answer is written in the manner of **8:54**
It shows **6:55**
